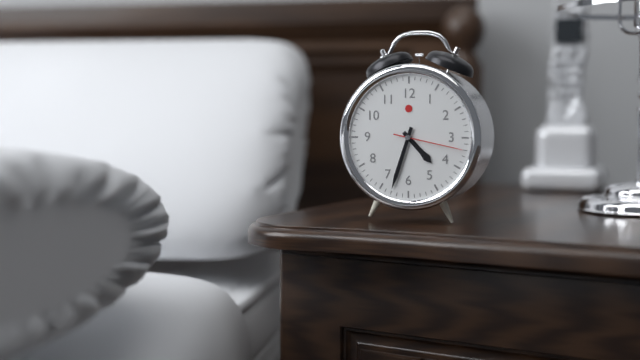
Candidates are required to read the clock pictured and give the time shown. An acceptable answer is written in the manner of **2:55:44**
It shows **4:33:17**
